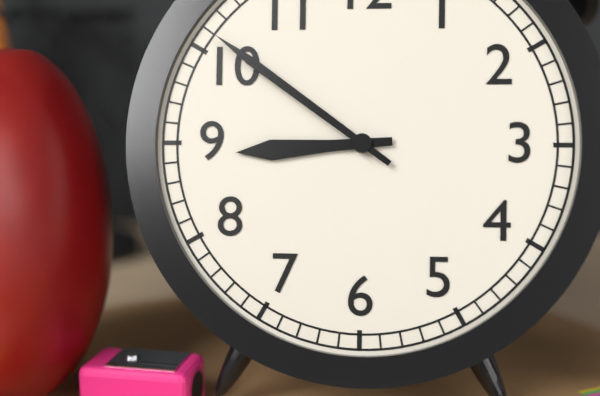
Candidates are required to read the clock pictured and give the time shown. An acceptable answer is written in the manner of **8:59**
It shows **8:51**
